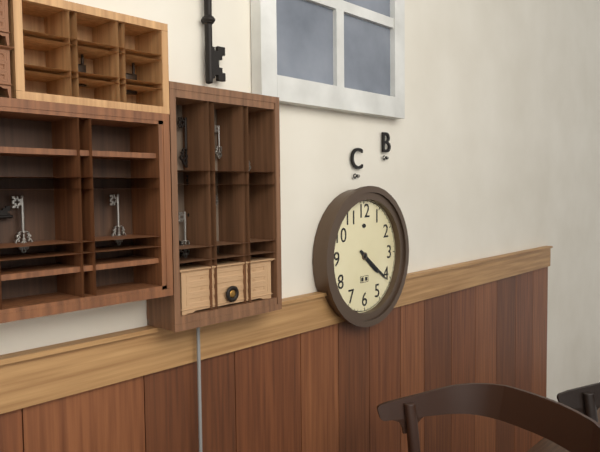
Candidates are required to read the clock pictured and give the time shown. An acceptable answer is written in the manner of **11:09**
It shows **4:21**
